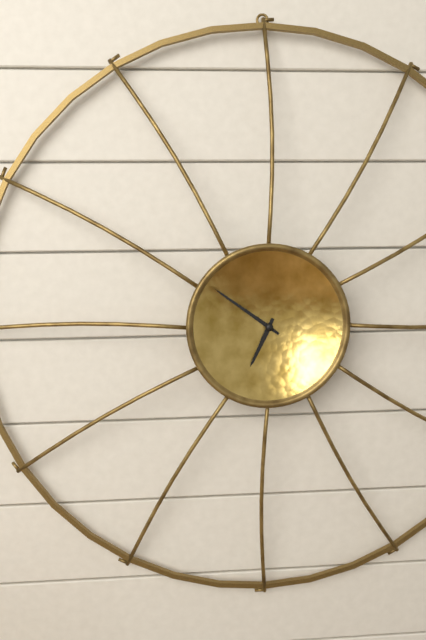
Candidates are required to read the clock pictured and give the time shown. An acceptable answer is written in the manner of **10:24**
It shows **6:51**
